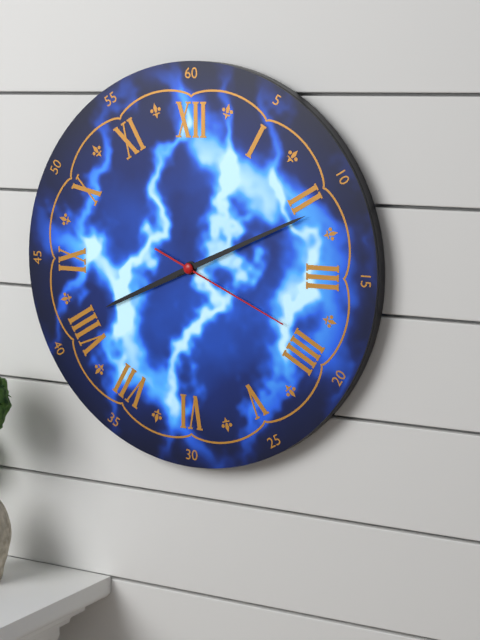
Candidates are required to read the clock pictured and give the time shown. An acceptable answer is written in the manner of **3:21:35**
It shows **8:11:19**
